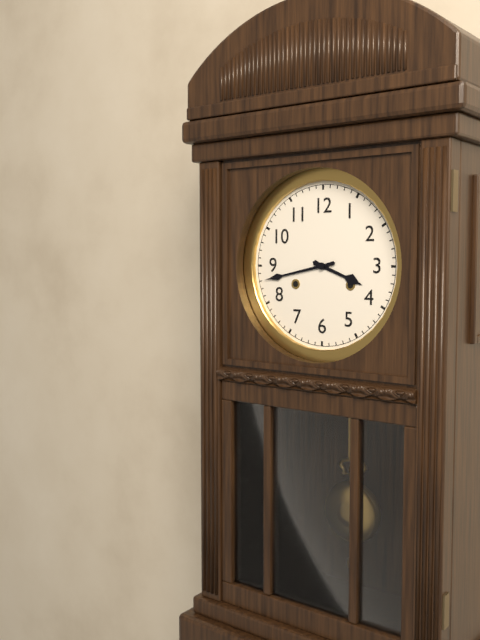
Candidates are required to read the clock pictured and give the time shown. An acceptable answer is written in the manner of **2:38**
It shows **3:43**
